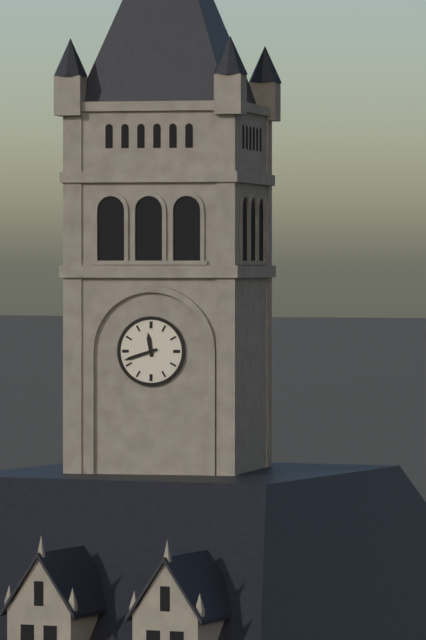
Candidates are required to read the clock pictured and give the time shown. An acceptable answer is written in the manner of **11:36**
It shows **11:42**
